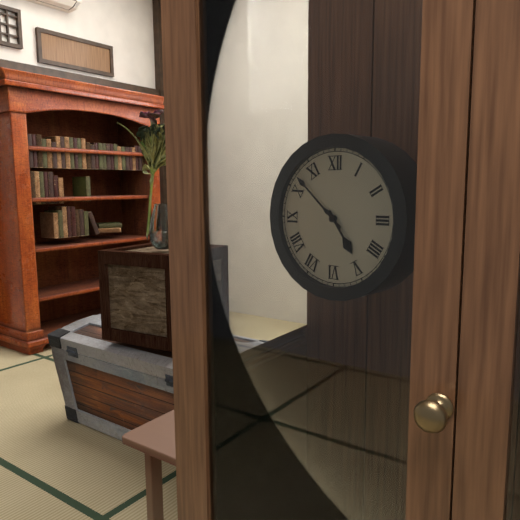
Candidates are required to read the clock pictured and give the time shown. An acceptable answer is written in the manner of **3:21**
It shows **4:52**
